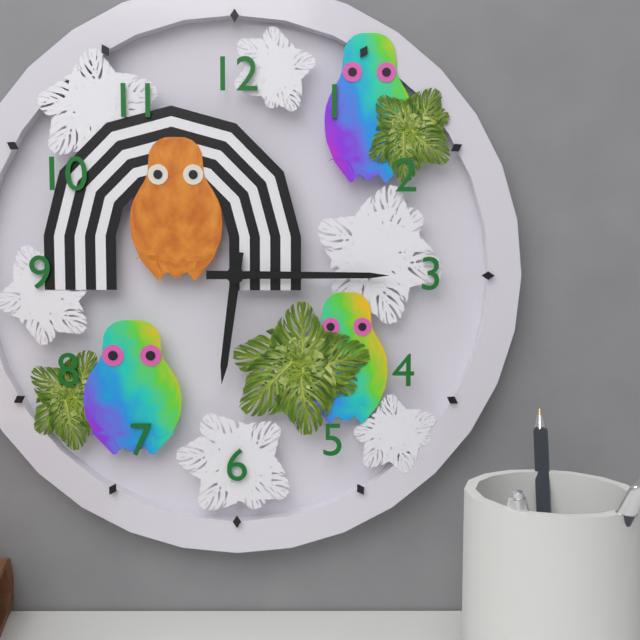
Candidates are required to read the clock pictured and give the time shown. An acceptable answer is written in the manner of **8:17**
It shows **6:15**
